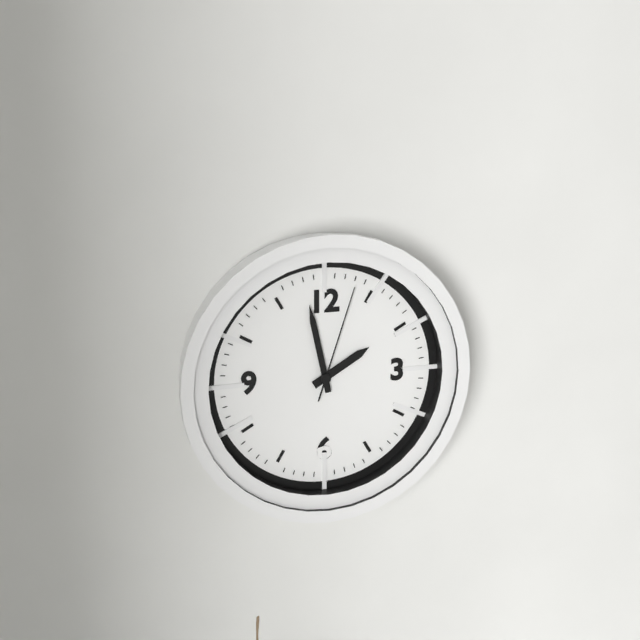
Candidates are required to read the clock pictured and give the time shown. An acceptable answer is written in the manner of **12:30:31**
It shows **1:58:03**
